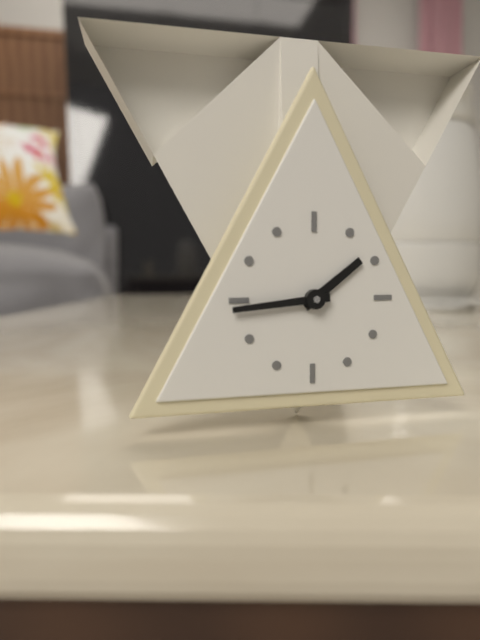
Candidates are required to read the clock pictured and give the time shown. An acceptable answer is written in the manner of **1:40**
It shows **1:44**
